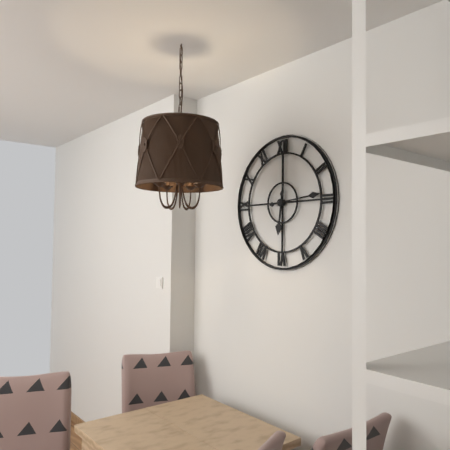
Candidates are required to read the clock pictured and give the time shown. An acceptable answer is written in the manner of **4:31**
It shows **6:14**
